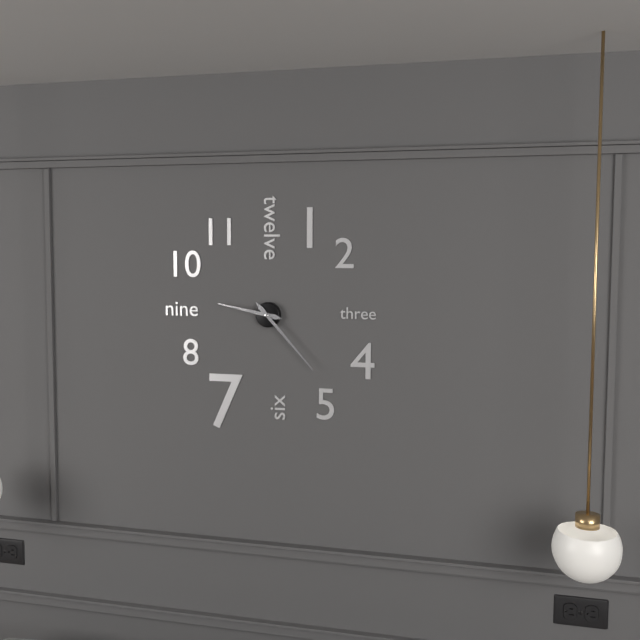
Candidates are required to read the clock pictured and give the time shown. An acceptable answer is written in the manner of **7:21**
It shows **9:23**
